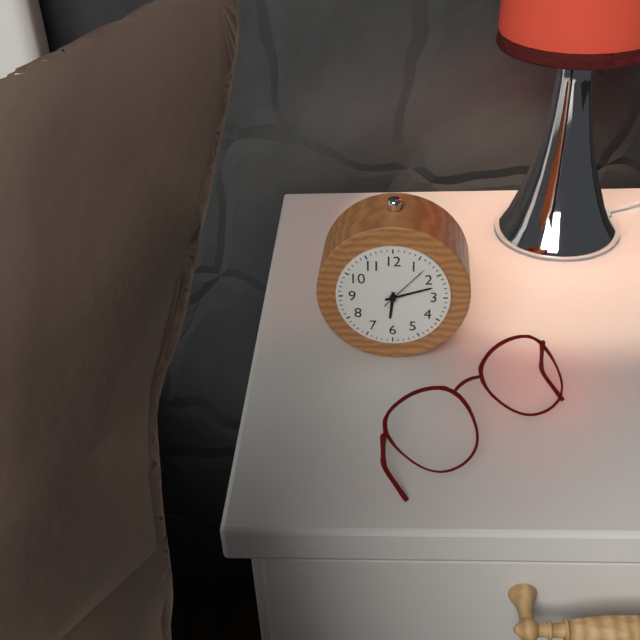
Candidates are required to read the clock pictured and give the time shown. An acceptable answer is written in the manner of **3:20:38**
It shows **6:12:07**
